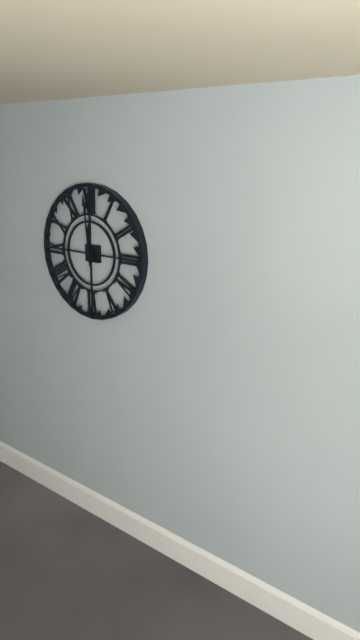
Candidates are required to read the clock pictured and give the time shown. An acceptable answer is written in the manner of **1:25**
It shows **11:59**
